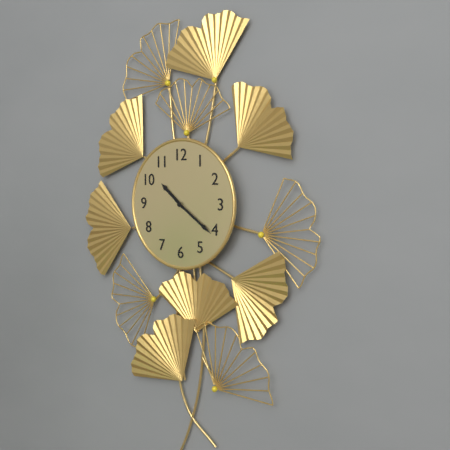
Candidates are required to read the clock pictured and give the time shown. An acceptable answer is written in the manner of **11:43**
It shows **10:21**
